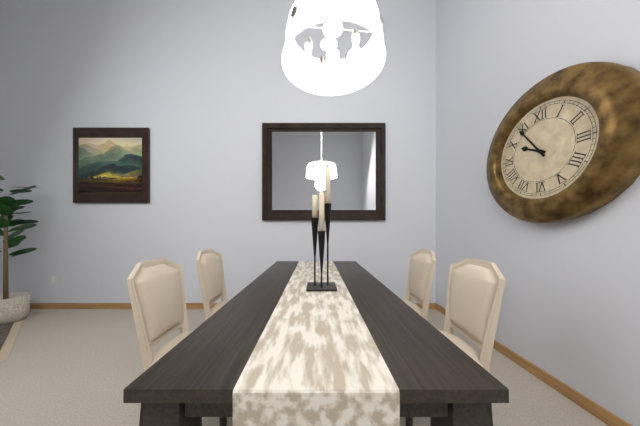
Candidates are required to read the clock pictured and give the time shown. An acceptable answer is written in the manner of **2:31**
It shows **9:54**
